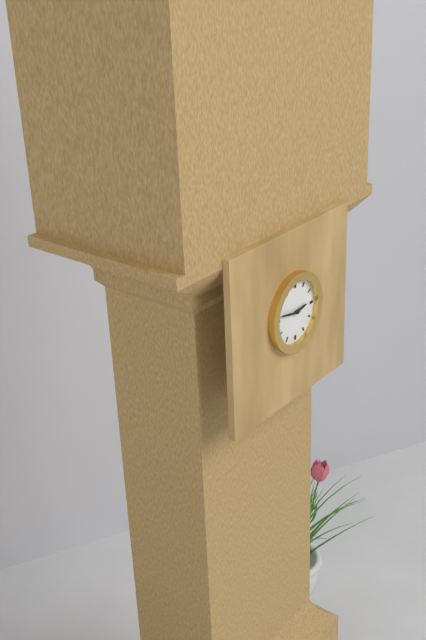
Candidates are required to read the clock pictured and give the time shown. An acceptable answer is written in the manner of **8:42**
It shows **2:47**
